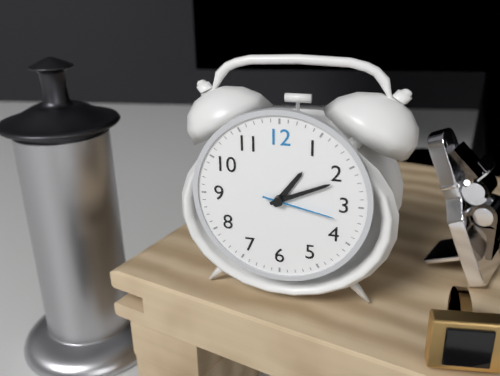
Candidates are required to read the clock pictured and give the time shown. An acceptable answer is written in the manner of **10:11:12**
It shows **1:11:17**
